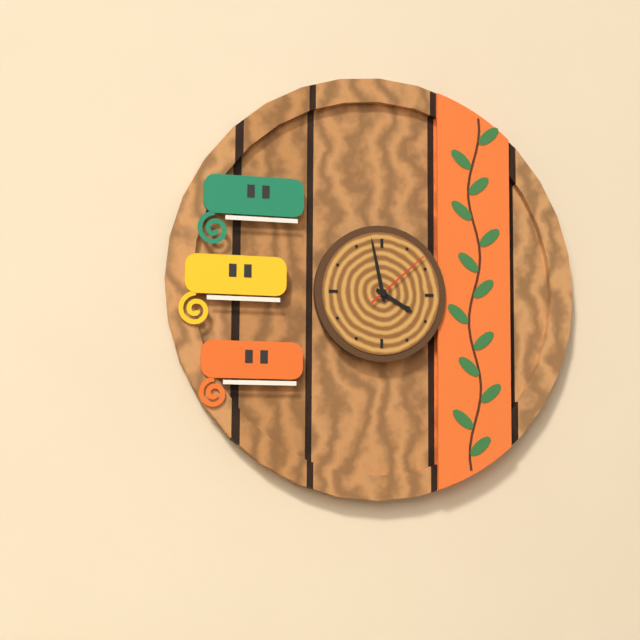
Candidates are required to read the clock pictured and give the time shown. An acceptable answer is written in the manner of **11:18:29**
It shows **3:58:08**
